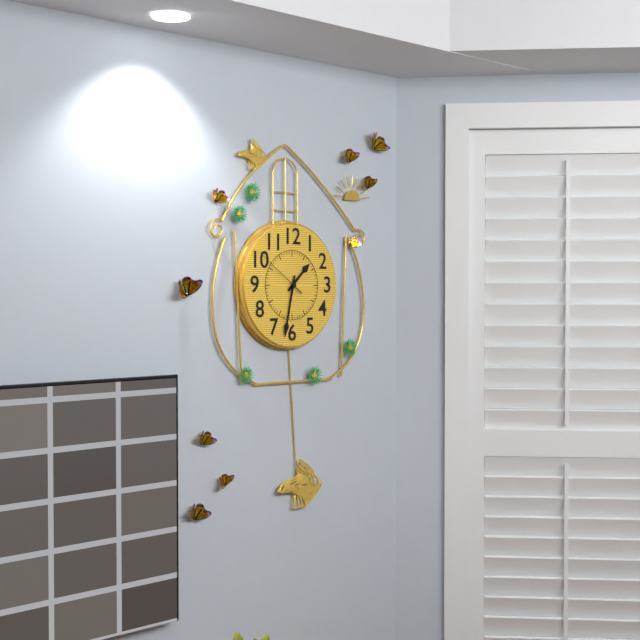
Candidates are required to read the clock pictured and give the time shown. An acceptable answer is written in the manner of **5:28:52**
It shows **1:32:51**
